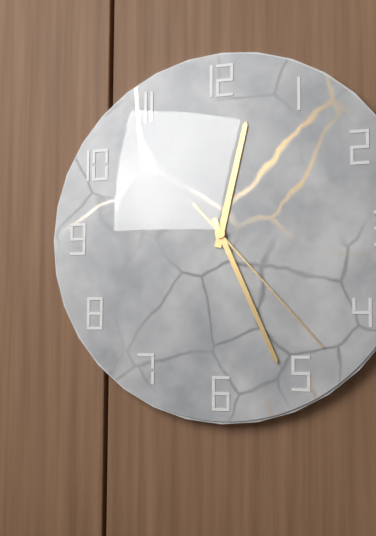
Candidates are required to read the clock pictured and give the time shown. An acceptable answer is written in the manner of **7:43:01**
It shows **12:26:23**
